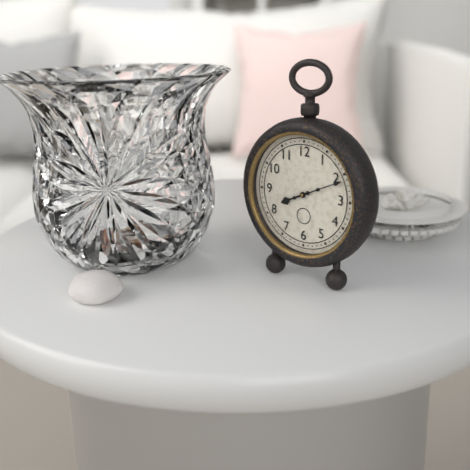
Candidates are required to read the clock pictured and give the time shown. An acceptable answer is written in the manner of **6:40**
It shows **8:11**
